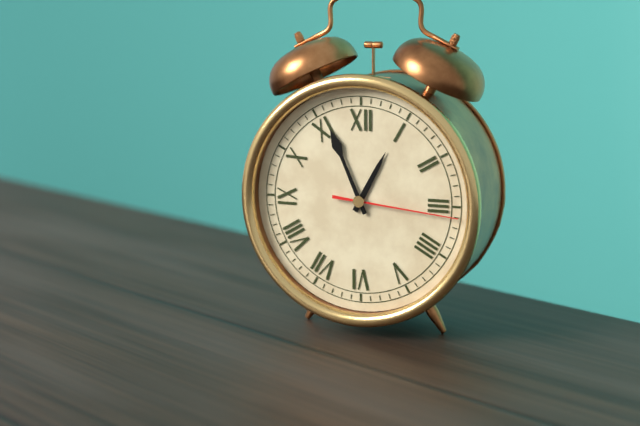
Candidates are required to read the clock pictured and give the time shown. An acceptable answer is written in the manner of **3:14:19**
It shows **12:56:16**
